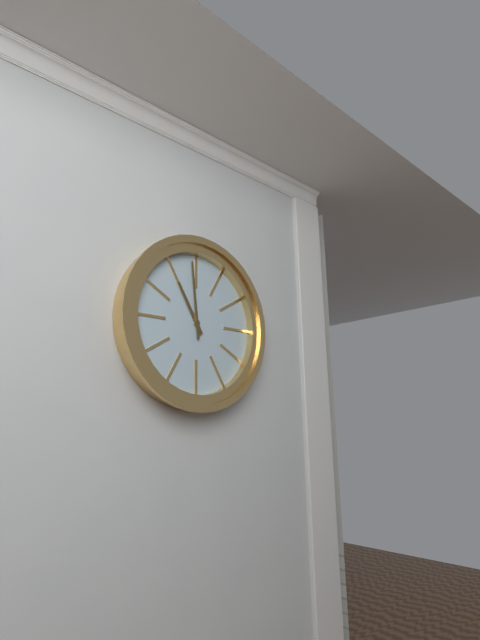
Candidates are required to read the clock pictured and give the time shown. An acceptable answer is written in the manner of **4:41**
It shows **10:59**
